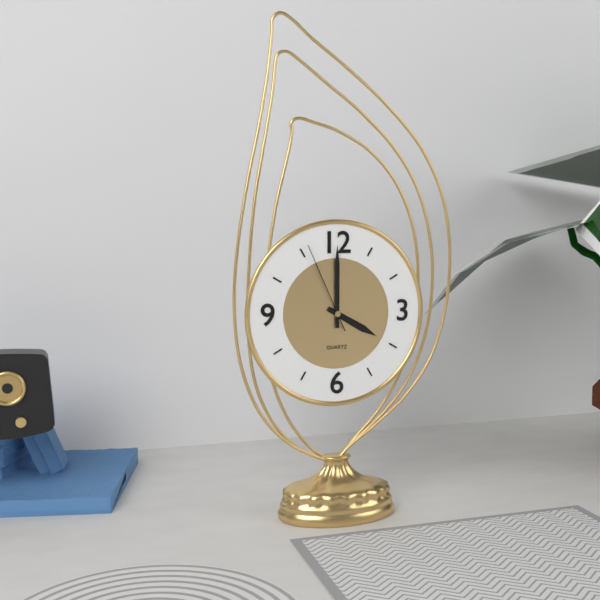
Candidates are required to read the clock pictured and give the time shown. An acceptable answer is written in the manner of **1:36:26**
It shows **4:00:56**
